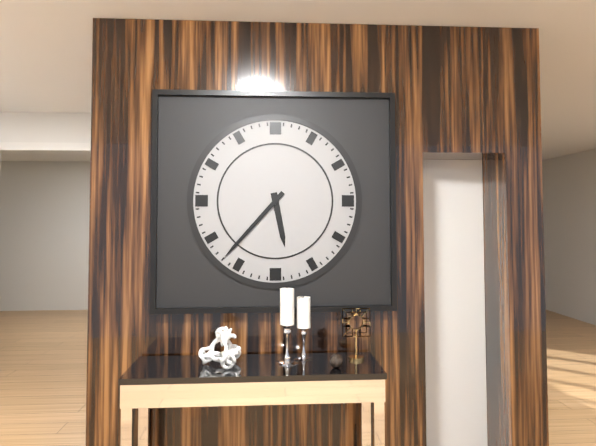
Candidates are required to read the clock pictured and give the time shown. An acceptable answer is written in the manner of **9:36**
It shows **5:37**
